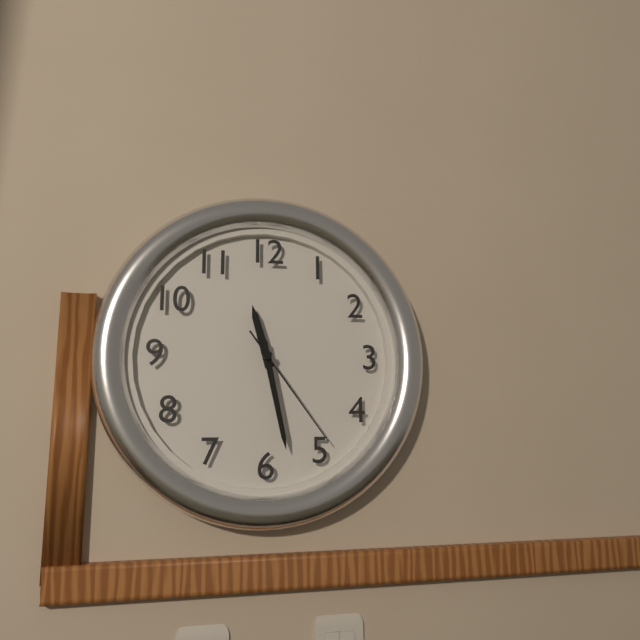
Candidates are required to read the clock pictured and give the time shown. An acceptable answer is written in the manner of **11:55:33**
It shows **11:28:24**
